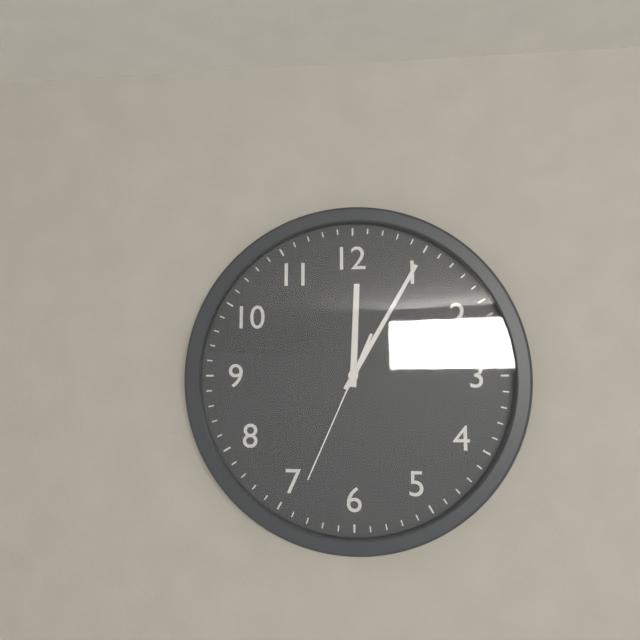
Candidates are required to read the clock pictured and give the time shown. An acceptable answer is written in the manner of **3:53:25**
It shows **12:05:34**
